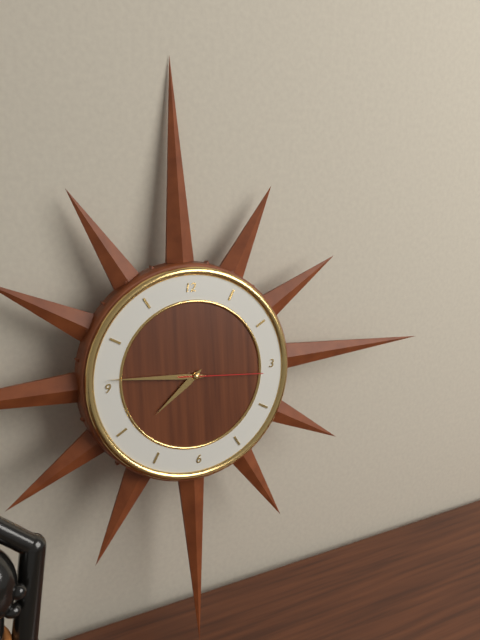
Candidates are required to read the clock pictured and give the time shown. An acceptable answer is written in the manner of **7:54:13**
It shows **7:46:16**
